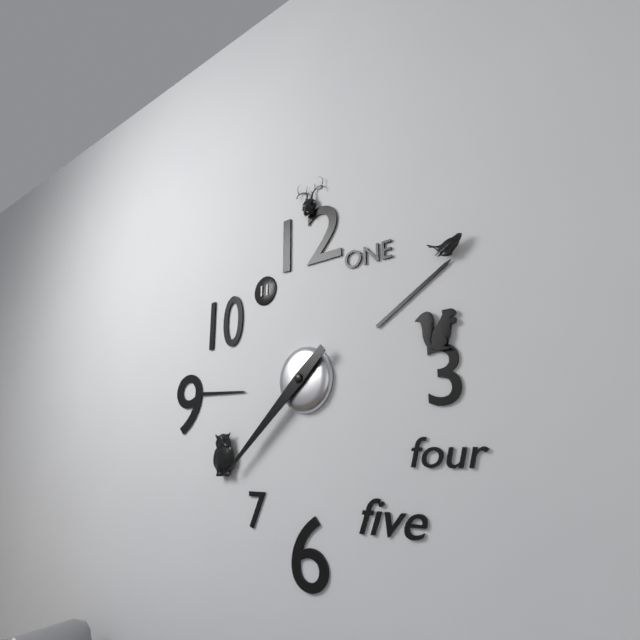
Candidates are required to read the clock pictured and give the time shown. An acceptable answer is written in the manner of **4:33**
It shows **7:38**
